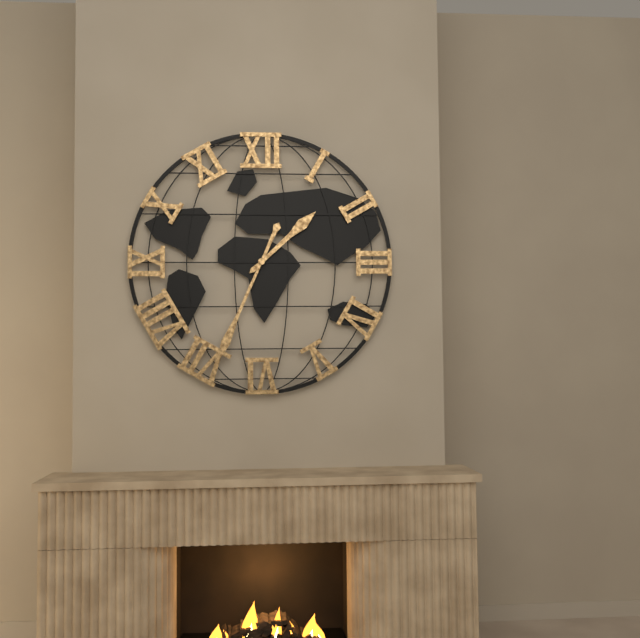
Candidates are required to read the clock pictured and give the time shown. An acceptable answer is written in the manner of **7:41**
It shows **1:34**
